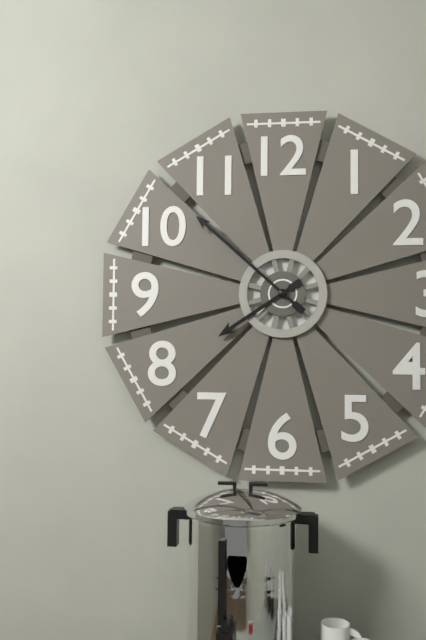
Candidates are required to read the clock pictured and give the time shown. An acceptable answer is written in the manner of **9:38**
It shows **7:52**
